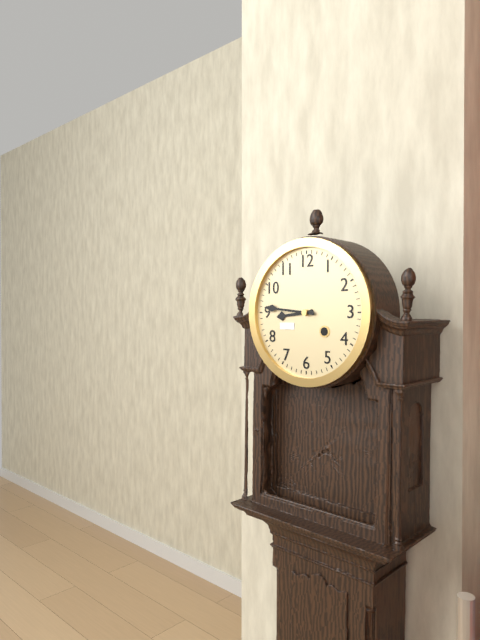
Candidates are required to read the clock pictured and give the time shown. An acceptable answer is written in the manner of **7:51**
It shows **8:46**
